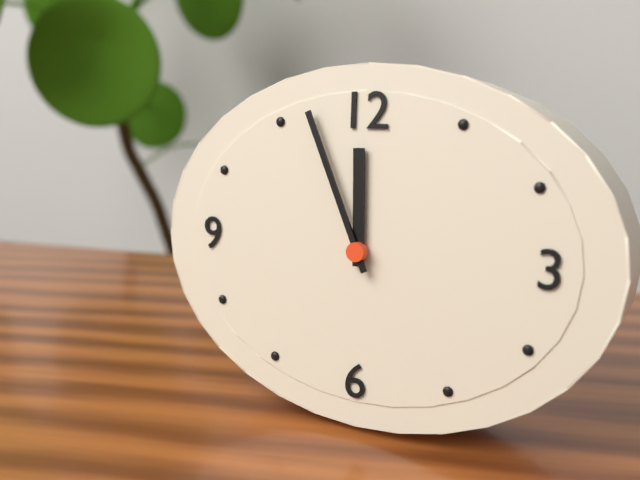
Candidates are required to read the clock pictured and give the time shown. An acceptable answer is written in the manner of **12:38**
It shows **11:56**
